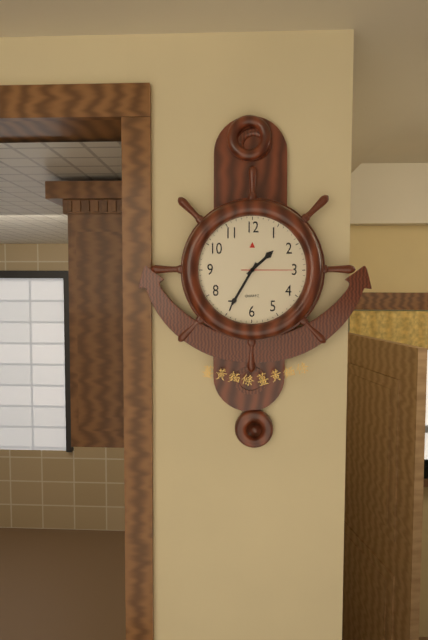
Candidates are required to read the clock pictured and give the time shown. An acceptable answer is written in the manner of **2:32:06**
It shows **1:35:15**
